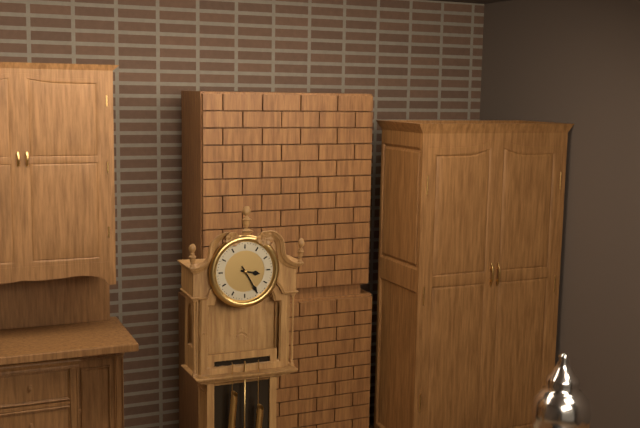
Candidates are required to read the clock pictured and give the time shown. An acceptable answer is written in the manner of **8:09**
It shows **3:25**
